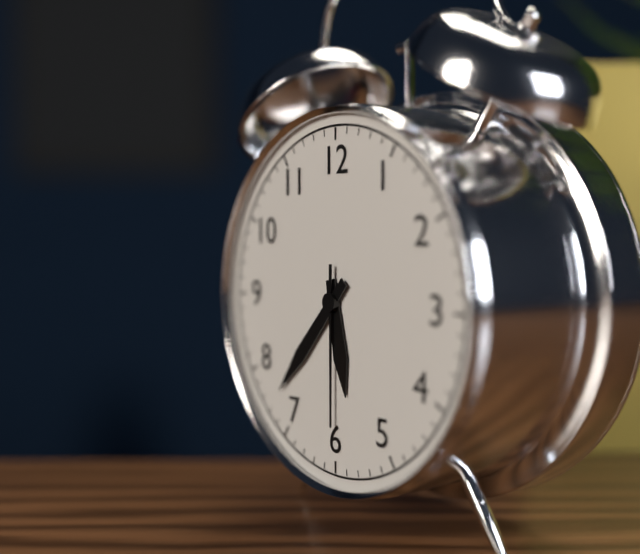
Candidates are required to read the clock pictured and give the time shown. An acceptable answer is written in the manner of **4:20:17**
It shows **5:37:30**
